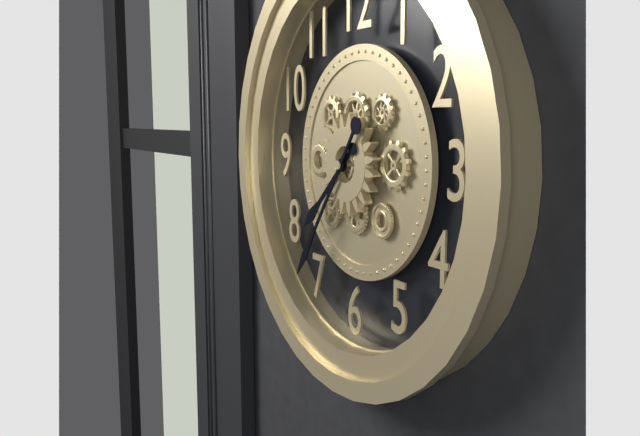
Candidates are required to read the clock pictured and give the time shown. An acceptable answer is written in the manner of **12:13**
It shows **7:36**
